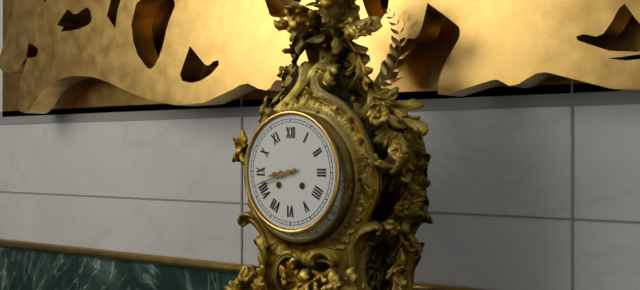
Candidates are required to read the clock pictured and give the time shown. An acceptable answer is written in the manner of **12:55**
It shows **8:42**
